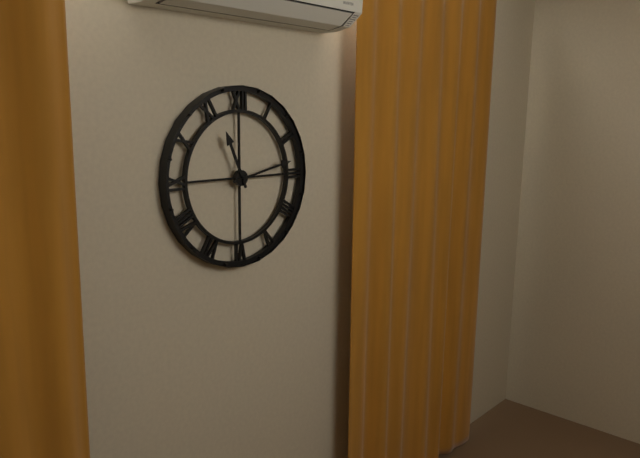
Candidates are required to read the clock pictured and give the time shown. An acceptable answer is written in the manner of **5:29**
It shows **11:13**
